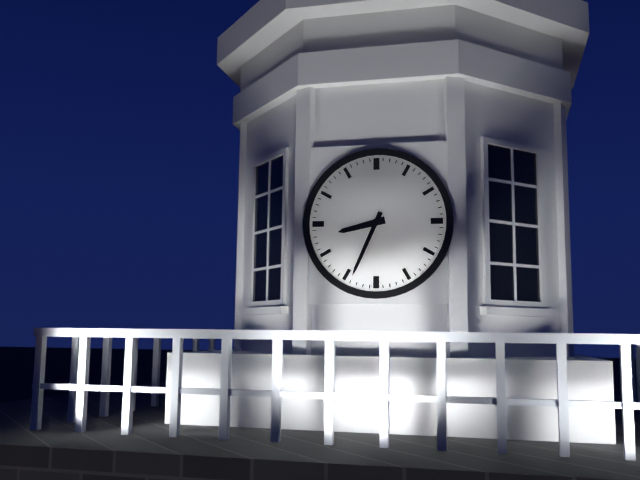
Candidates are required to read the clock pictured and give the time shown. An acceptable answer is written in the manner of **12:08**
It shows **8:34**
